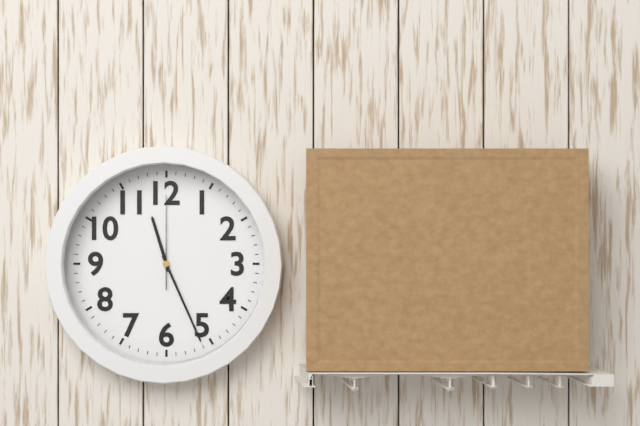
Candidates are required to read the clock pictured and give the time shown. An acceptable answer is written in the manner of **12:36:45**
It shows **11:26:00**
